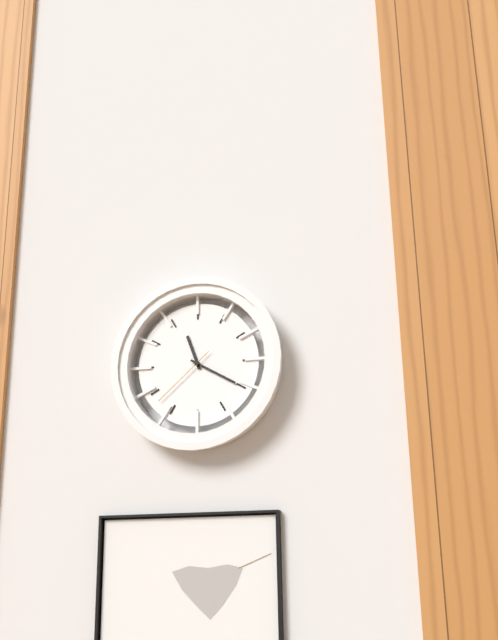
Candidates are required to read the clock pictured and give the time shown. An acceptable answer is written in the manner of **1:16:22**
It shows **11:20:38**
